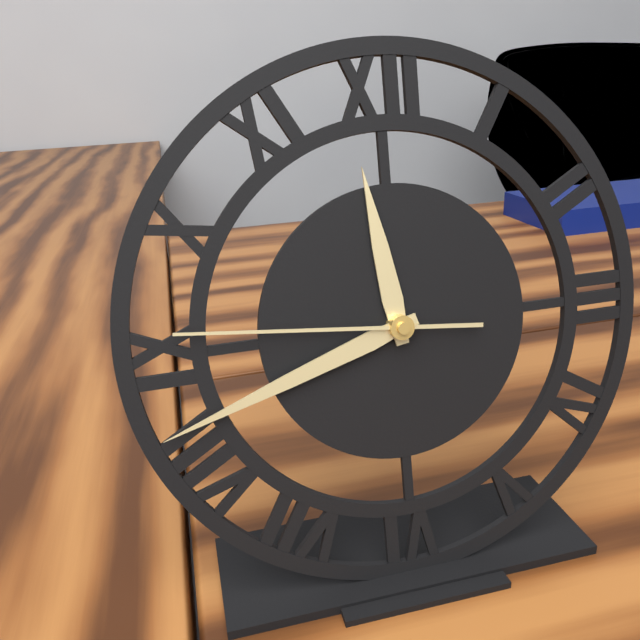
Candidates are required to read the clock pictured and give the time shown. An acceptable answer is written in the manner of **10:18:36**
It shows **11:42:46**
